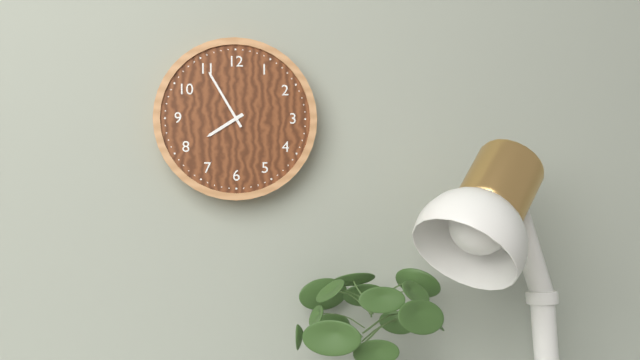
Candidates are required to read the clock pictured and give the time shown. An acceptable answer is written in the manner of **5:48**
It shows **7:55**
